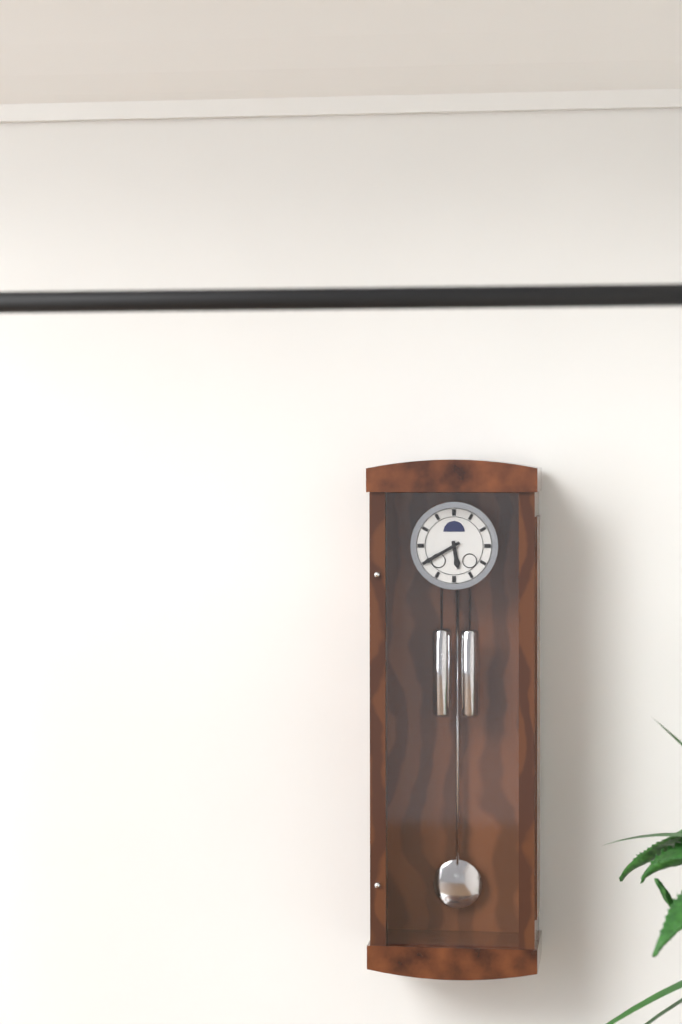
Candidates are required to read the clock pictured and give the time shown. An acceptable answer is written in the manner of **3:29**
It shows **5:40**
